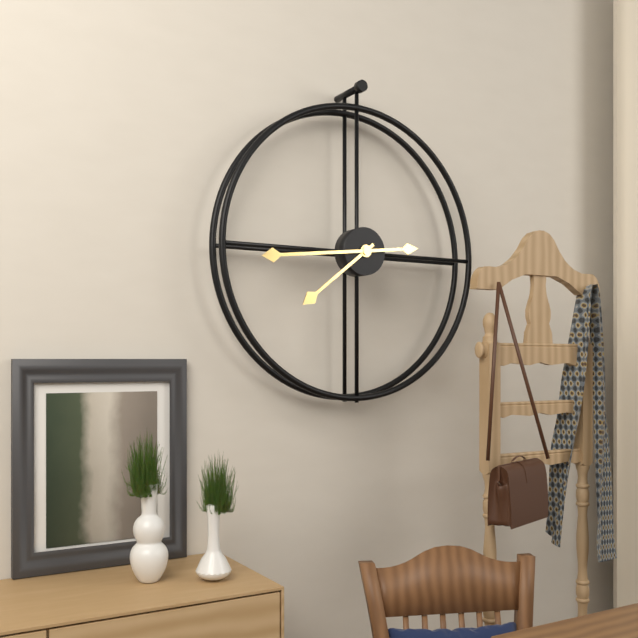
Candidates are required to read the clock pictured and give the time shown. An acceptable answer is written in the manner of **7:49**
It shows **7:44**
